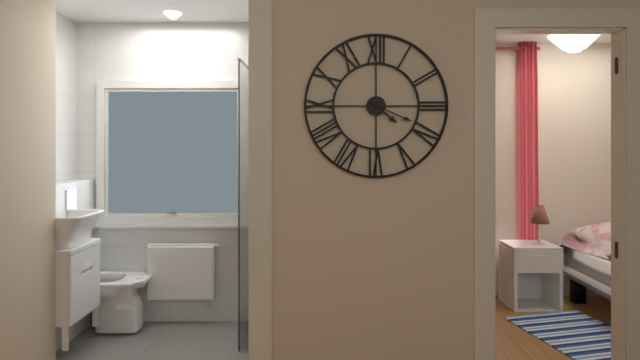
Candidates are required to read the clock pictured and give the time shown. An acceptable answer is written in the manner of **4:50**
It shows **4:19**
